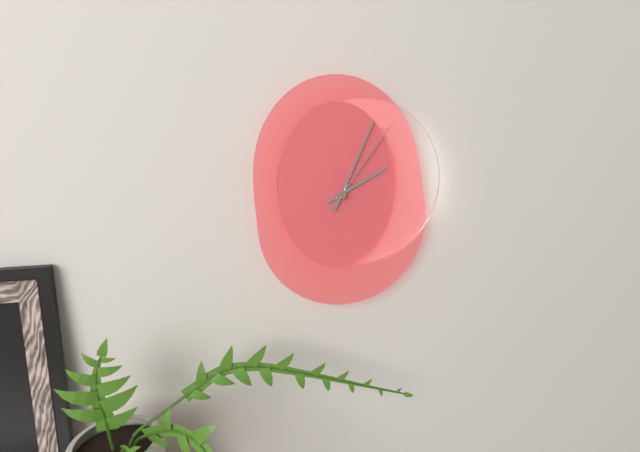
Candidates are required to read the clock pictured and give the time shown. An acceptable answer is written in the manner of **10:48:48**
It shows **2:04:06**
